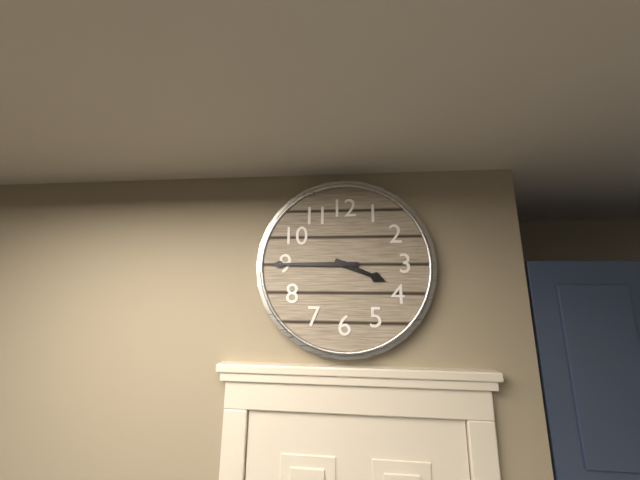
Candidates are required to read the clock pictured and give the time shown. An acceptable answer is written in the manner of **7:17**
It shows **3:45**
